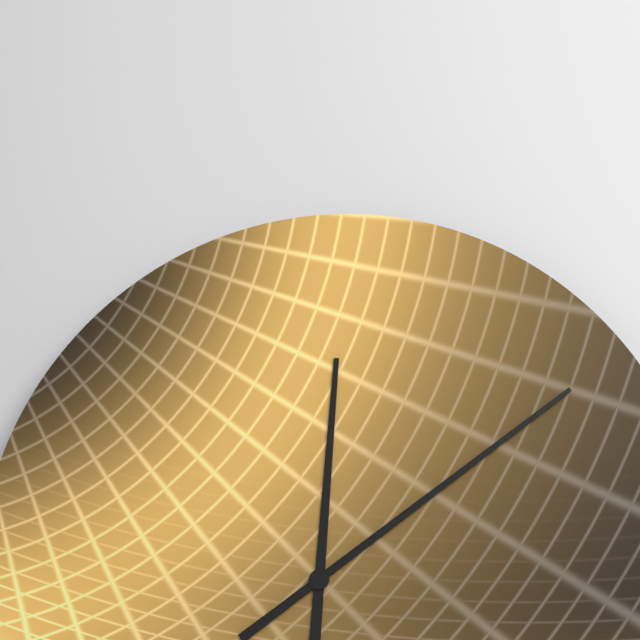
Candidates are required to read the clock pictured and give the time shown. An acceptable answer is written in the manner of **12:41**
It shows **12:09**
